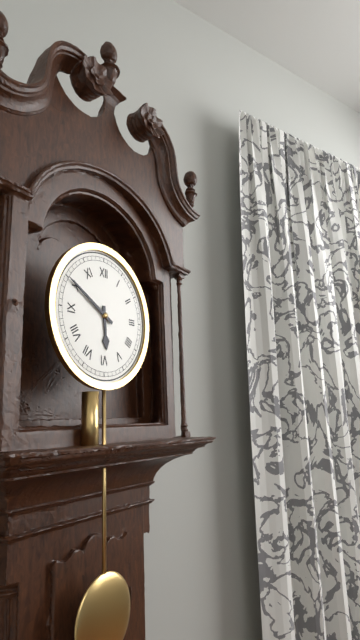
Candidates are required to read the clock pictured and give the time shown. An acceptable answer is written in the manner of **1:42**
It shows **5:50**
